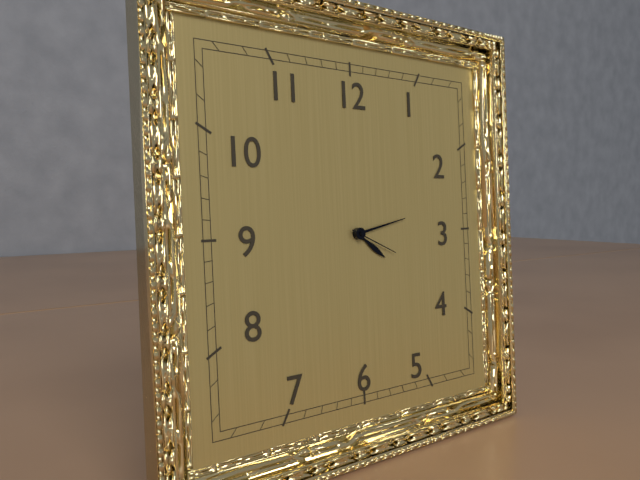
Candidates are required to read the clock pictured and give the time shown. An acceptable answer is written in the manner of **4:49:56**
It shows **4:13:19**
